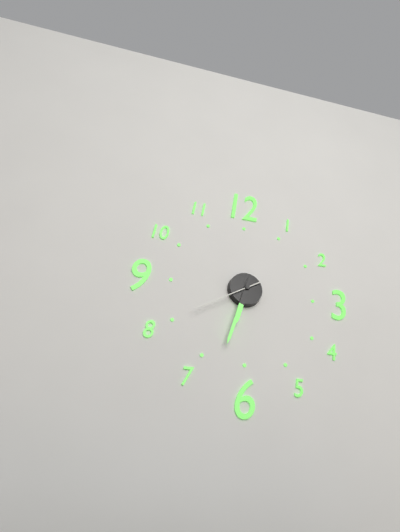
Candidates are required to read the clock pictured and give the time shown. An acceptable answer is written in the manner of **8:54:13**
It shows **6:33:40**
